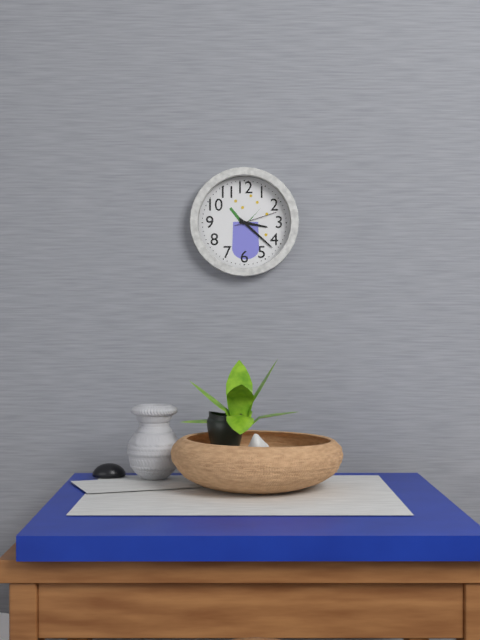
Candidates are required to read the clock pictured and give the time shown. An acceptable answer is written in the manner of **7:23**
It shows **3:22**
